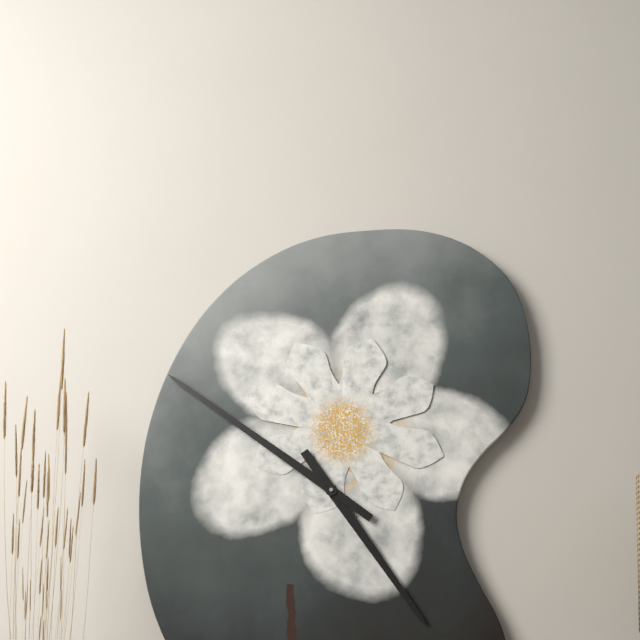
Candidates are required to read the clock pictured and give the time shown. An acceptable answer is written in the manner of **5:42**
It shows **4:51**
